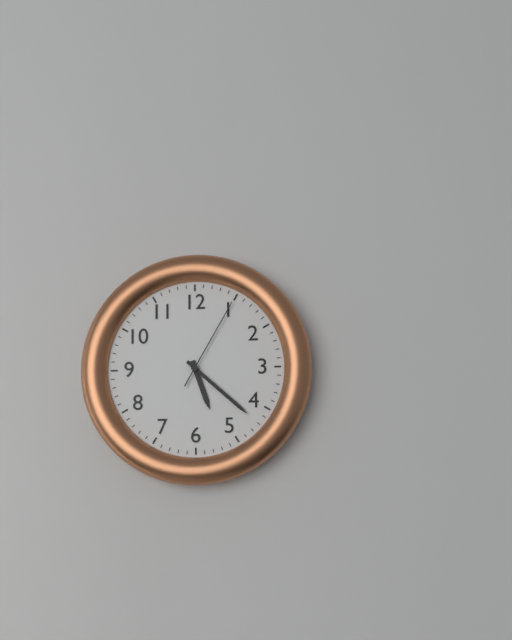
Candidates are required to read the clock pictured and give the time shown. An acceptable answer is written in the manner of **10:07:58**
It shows **5:22:05**
